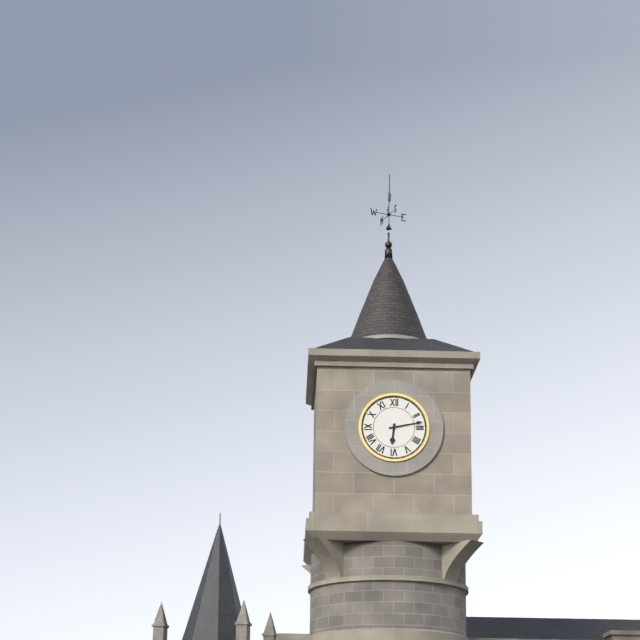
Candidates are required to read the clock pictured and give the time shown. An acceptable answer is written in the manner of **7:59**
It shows **6:13**
